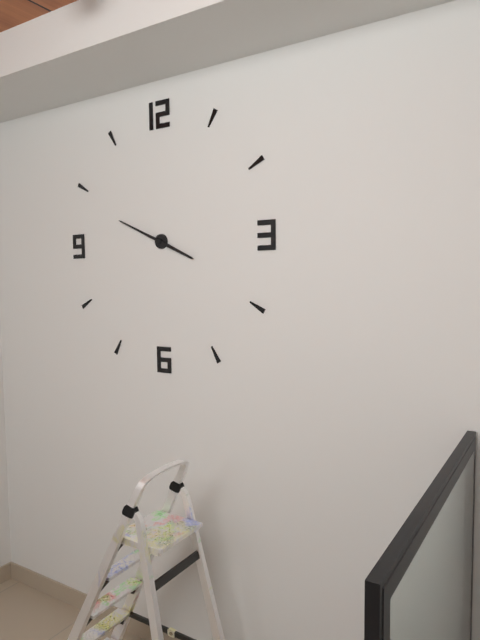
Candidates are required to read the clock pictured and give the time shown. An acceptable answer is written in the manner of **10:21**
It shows **3:49**
